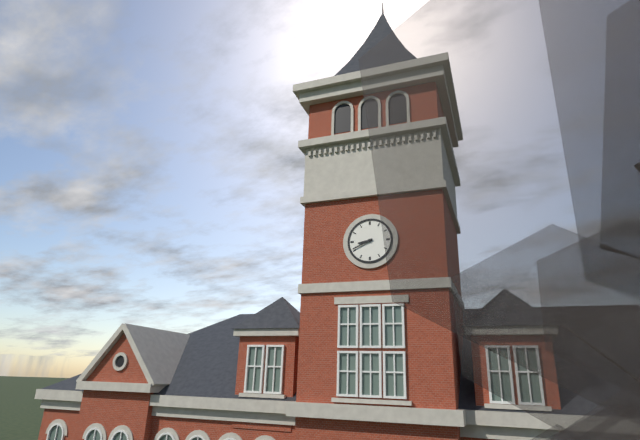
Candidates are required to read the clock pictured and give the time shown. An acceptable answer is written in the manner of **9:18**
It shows **8:41**
